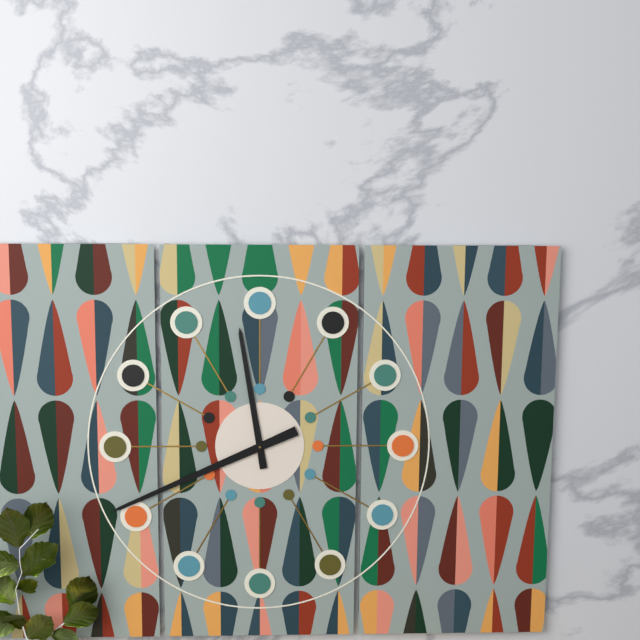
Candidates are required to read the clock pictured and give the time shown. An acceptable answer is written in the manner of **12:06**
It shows **11:41**
